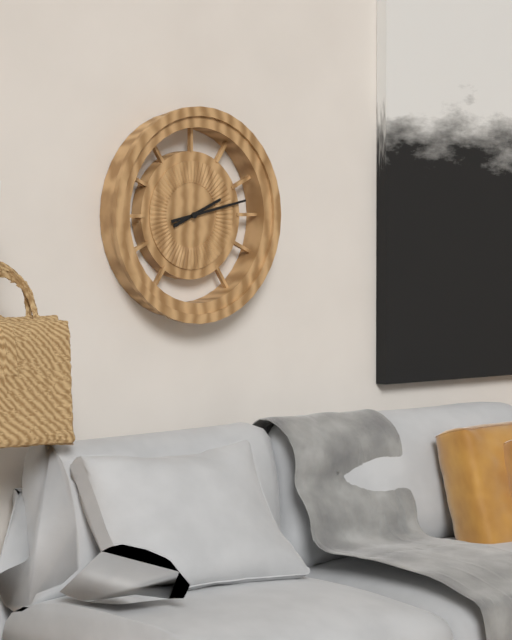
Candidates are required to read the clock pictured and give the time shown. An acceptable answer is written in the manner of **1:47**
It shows **2:13**
